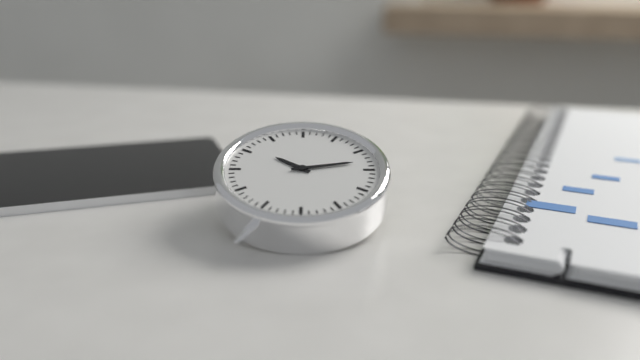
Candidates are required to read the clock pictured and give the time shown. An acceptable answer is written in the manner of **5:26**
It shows **10:13**
